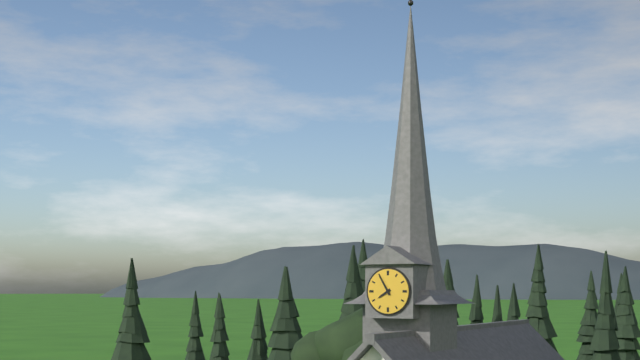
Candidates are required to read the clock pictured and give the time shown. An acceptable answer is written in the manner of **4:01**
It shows **7:55**
